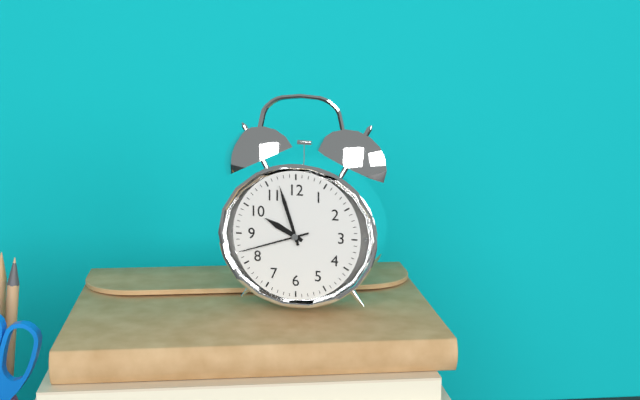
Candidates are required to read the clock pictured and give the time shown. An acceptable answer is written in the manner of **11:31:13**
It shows **9:57:42**
